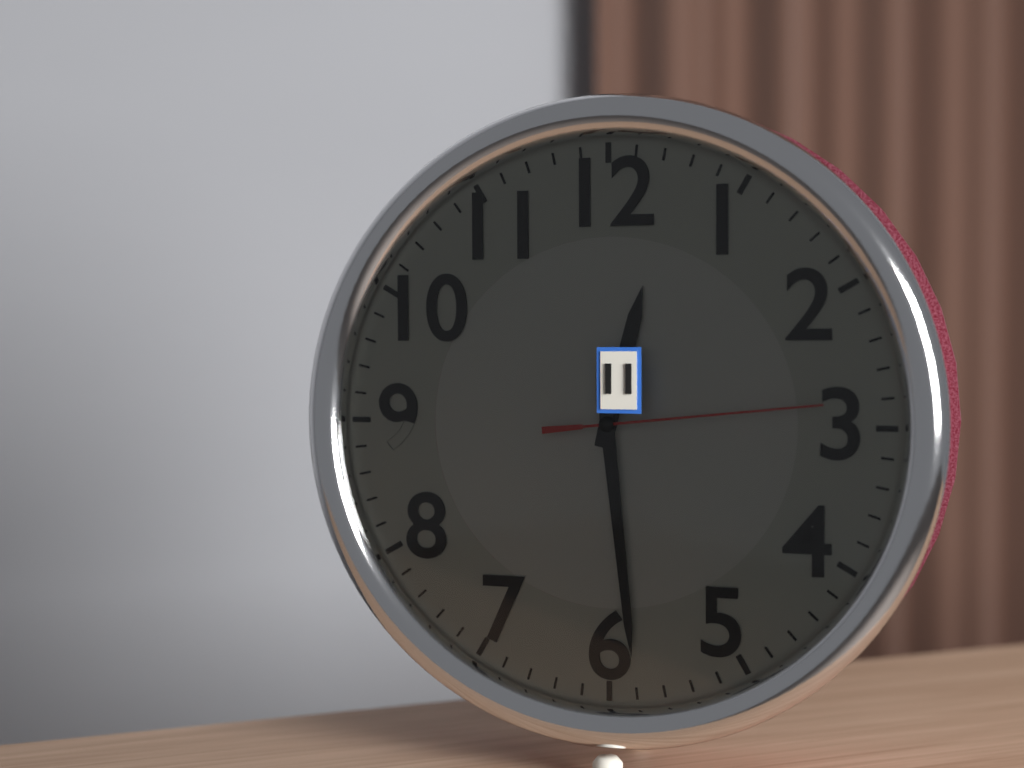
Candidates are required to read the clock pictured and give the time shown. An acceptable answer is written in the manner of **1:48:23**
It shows **12:29:14**
